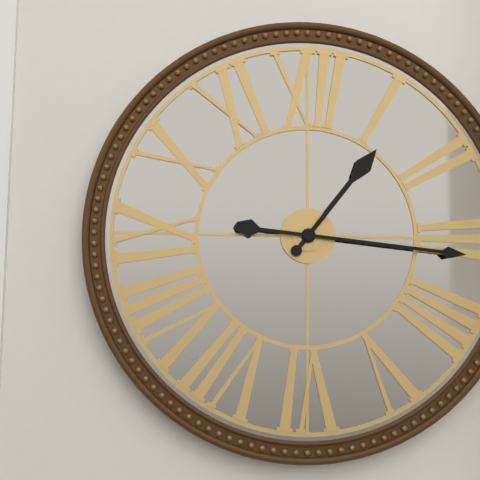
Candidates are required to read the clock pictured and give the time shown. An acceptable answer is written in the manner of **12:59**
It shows **1:16**
